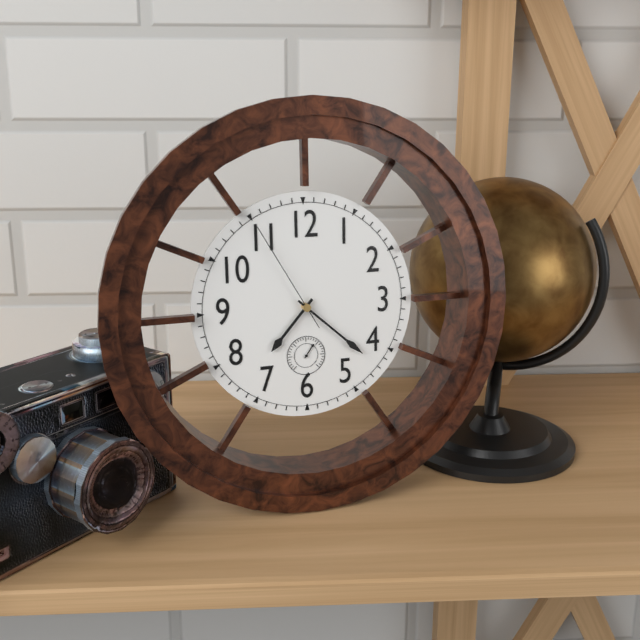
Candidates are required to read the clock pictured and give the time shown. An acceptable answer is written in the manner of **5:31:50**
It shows **7:22:55**
